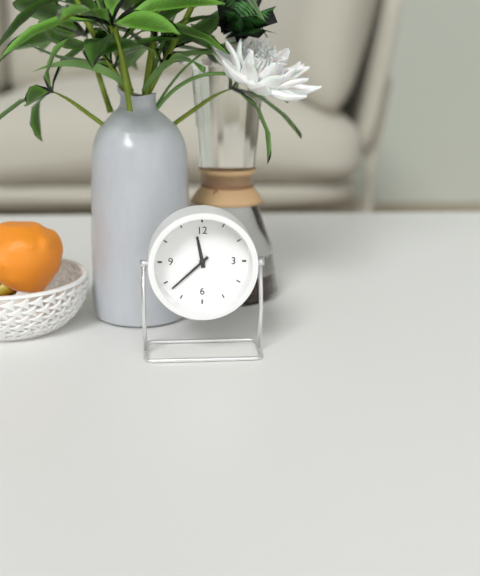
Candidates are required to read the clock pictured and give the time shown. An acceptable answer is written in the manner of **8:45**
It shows **11:38**
